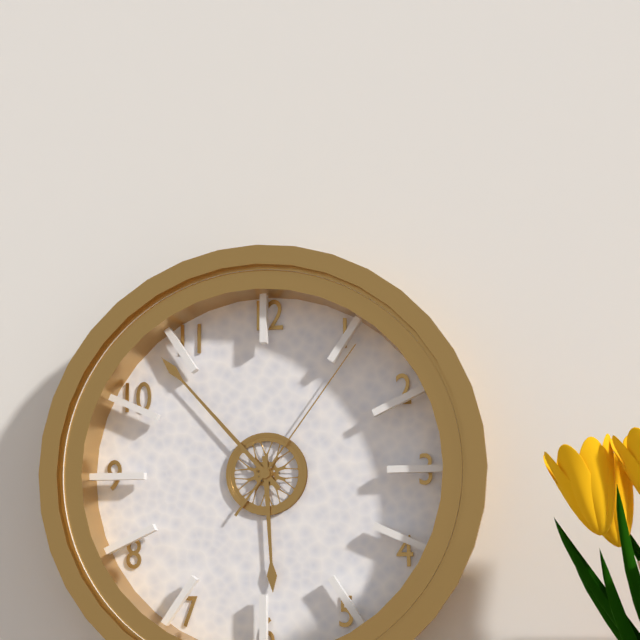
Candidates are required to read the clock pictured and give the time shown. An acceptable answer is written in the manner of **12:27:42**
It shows **5:53:06**
